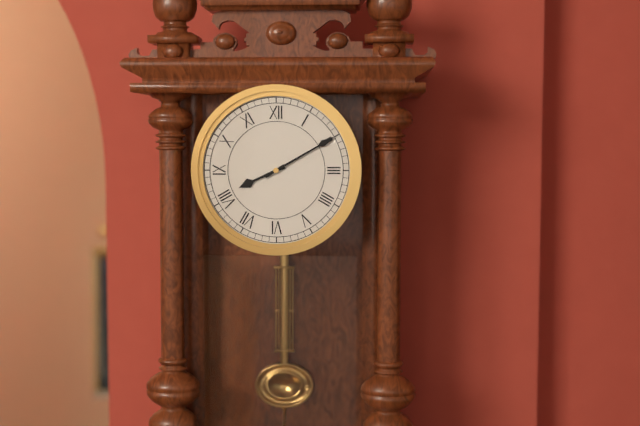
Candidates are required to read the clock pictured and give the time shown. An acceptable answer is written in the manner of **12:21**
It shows **8:10**
